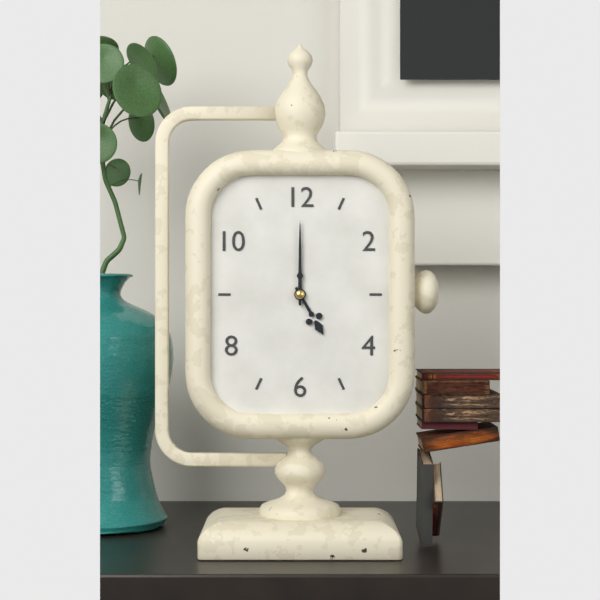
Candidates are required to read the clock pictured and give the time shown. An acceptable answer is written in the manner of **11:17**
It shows **5:00**
